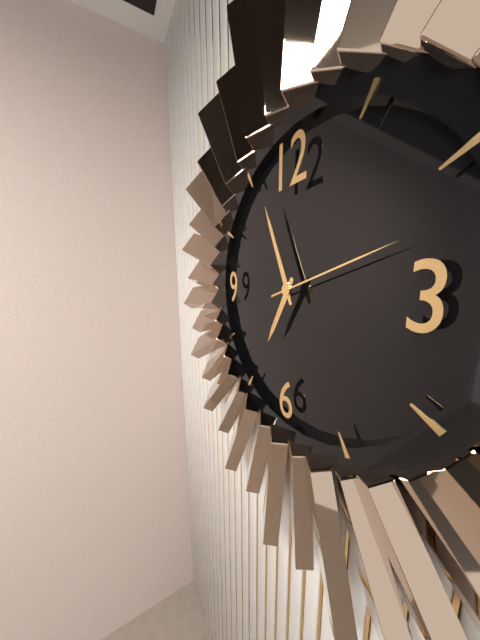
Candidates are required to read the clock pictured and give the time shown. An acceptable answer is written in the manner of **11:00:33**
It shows **6:56:12**
